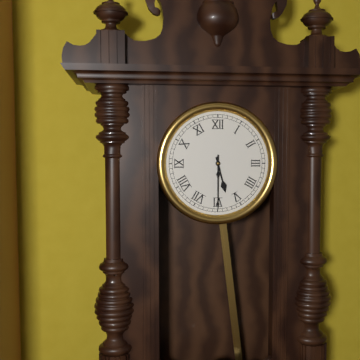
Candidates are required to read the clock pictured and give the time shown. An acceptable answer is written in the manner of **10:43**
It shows **5:30**
